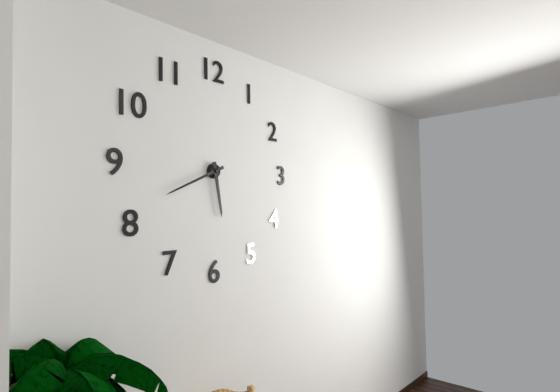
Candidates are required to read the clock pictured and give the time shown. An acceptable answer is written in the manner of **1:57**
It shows **5:41**
